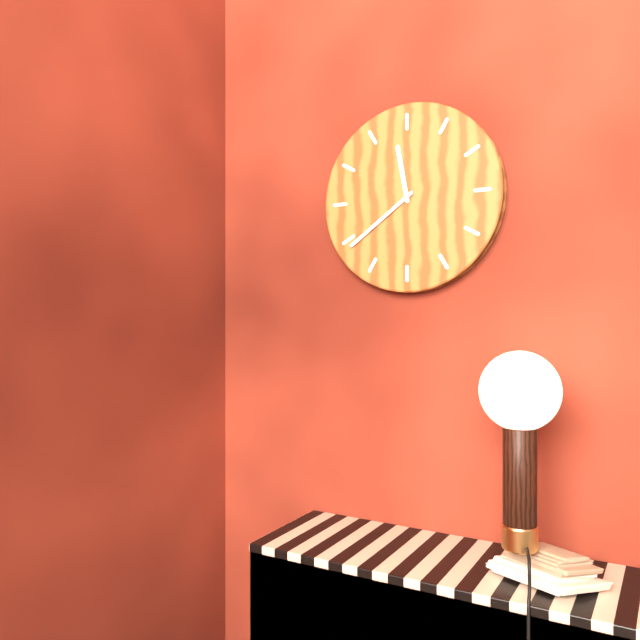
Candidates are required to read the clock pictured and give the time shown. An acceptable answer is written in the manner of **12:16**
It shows **11:39**
